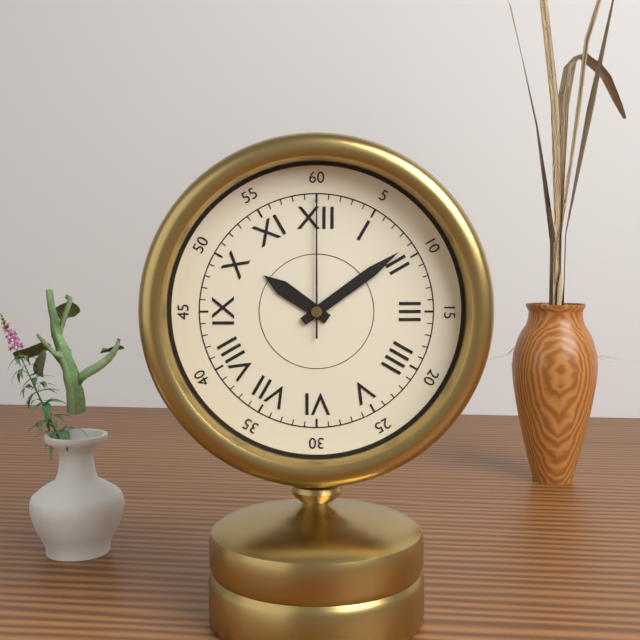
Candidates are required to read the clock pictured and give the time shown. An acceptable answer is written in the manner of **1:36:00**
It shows **10:09:00**
